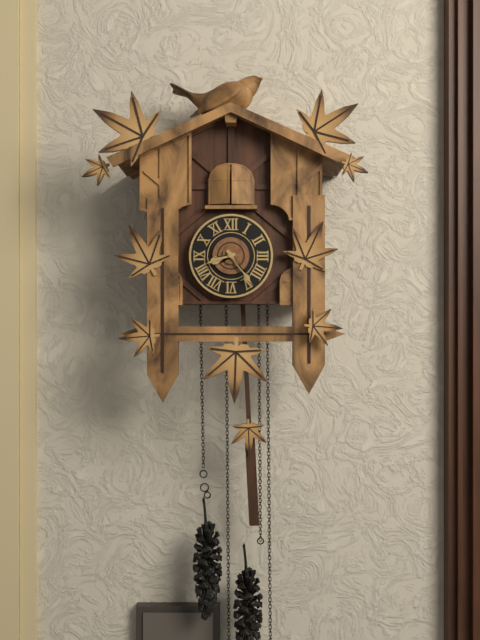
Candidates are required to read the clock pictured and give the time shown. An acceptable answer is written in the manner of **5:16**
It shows **8:24**
